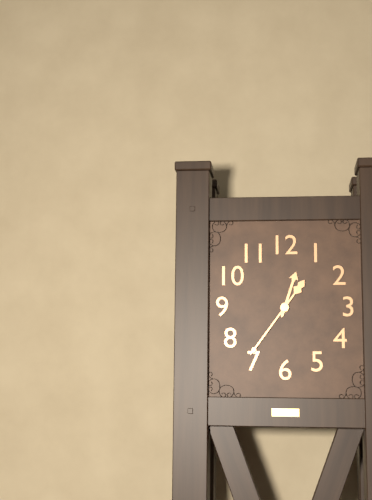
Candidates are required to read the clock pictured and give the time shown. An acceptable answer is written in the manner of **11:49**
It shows **12:36**
